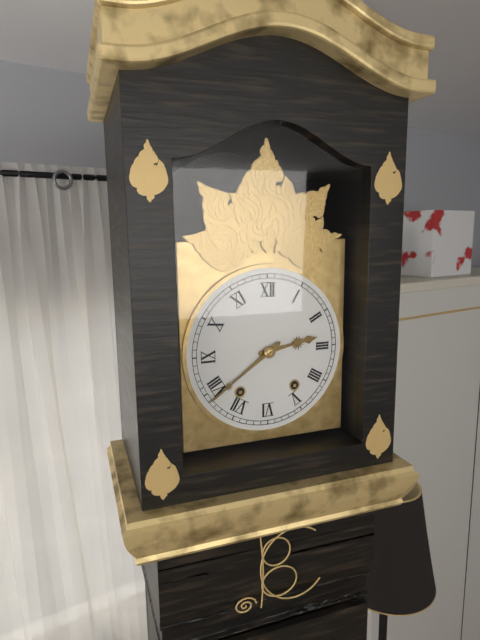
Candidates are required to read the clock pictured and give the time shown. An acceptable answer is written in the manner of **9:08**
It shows **2:39**
